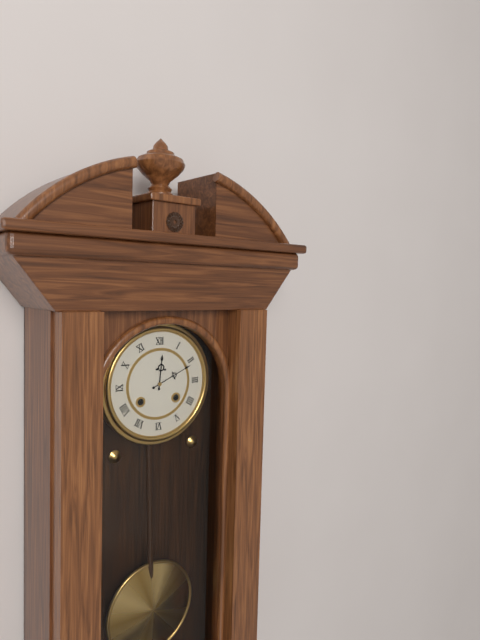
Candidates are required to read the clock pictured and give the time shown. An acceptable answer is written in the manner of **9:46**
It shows **12:11**
